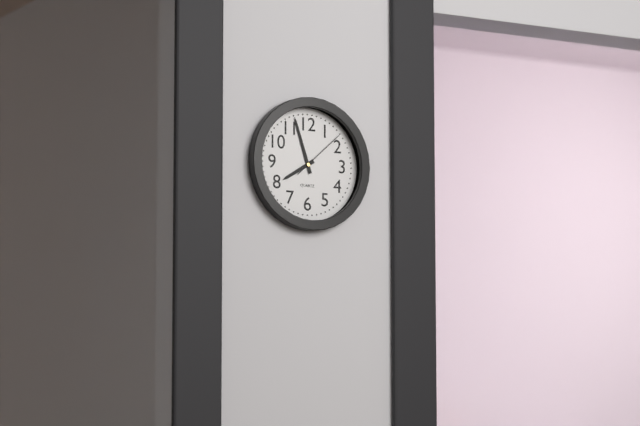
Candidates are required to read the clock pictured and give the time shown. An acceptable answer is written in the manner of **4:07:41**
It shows **7:57:08**
